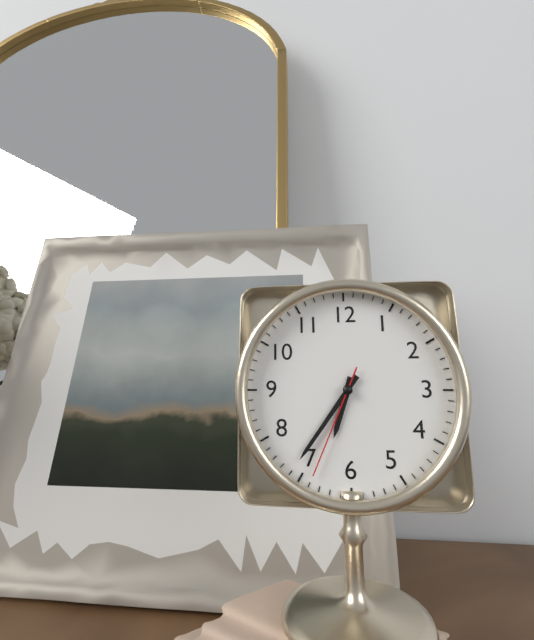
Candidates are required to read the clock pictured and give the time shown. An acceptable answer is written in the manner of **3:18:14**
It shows **6:36:34**
